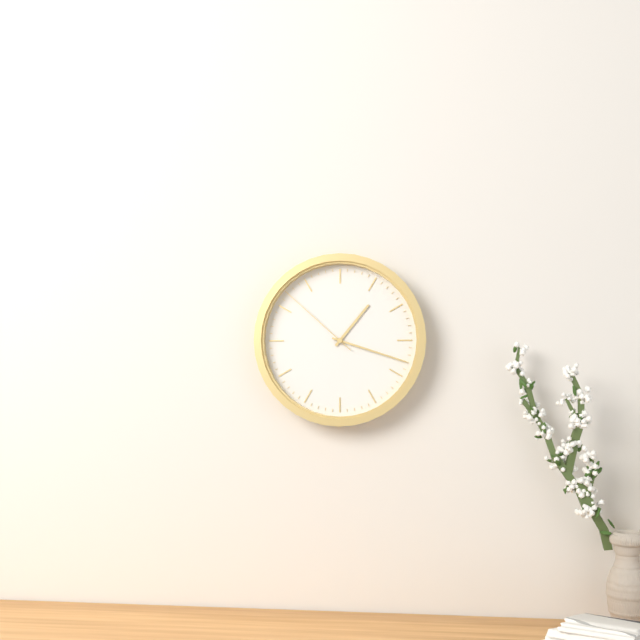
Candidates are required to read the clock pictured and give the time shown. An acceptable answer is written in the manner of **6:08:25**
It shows **1:18:52**
